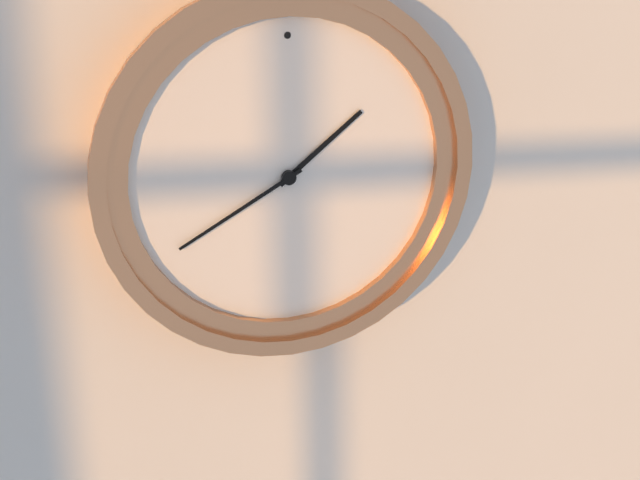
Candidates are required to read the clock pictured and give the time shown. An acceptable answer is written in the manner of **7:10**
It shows **1:40**
